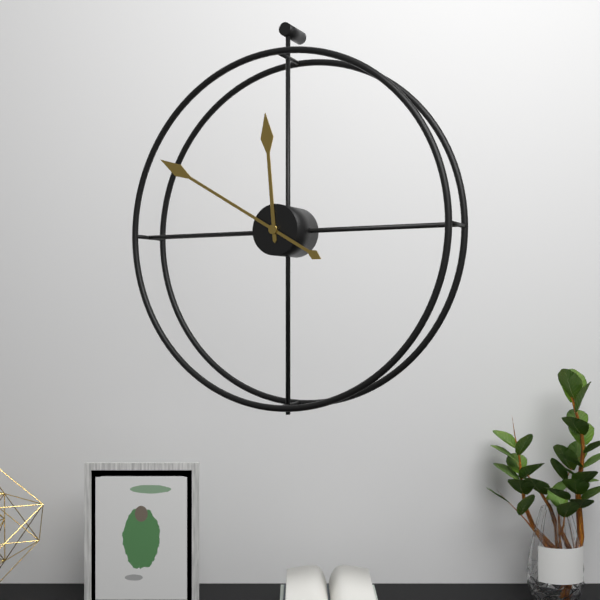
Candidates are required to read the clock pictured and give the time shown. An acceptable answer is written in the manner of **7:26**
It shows **11:50**
